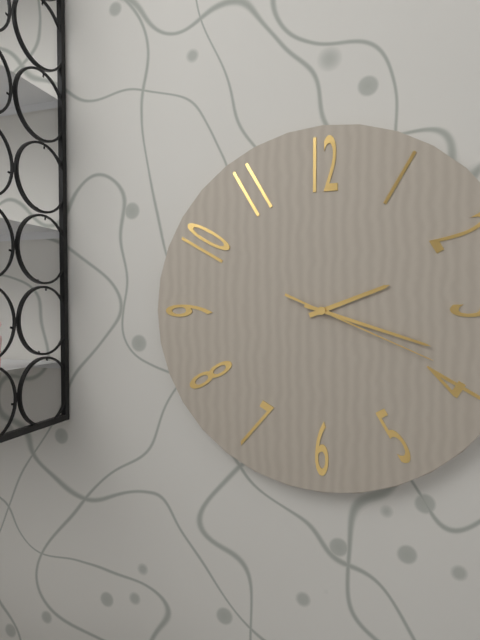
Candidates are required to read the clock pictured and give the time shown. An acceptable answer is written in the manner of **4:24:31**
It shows **2:18:19**
